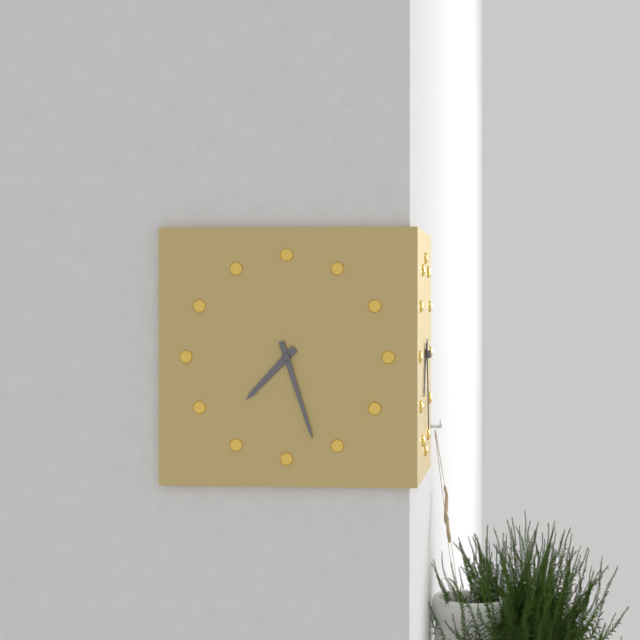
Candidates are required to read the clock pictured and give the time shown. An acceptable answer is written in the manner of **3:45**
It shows **7:27**
